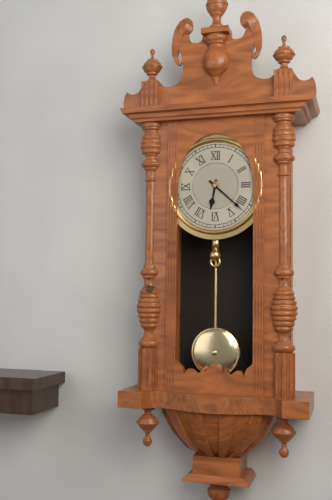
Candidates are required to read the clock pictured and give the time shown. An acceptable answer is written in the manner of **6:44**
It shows **6:22**
